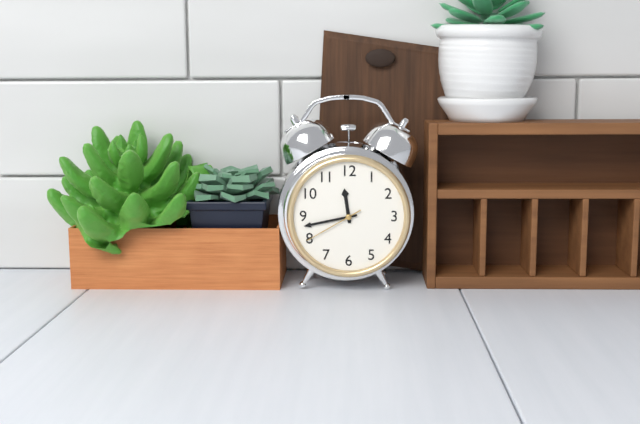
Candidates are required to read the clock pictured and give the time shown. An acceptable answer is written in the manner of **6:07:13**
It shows **11:43:40**
